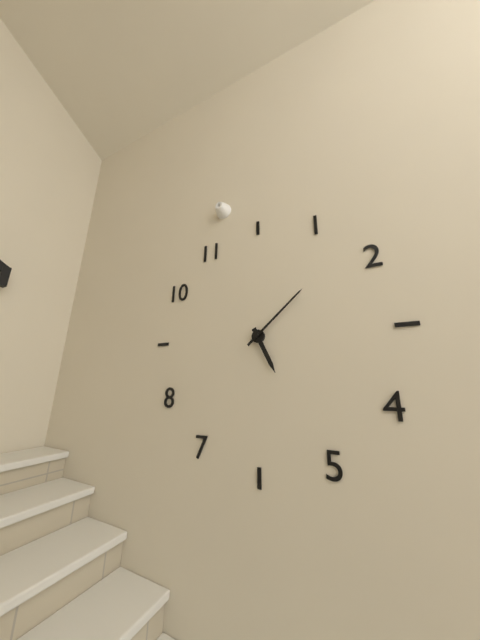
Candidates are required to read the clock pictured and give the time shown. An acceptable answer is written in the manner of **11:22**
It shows **5:08**
